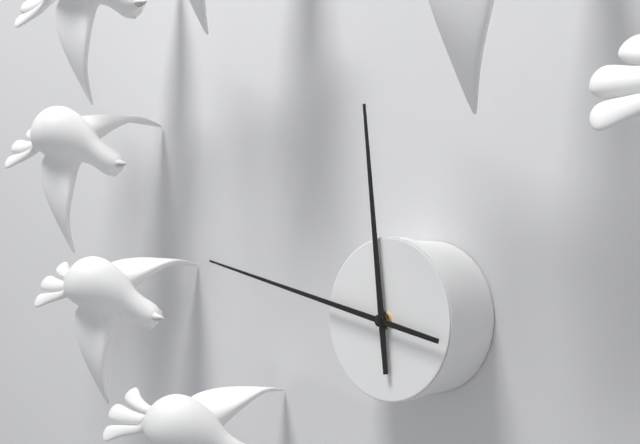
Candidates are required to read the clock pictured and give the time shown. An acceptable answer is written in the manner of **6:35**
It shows **11:47**
